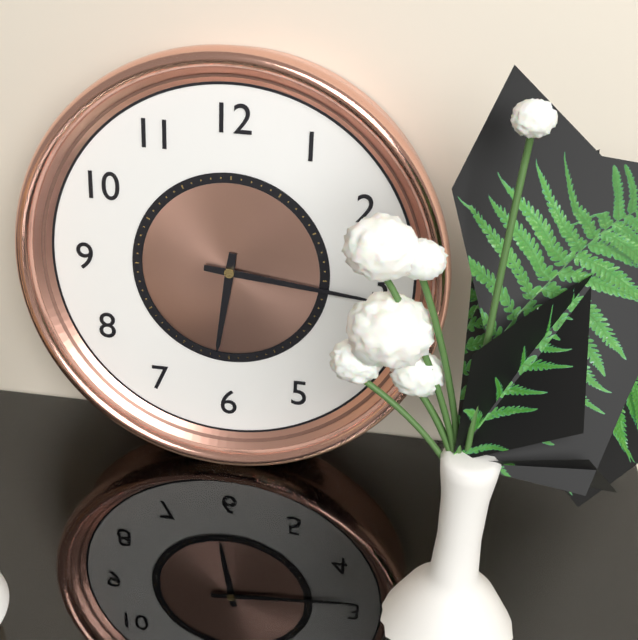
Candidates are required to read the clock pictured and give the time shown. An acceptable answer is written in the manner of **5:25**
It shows **6:16**
